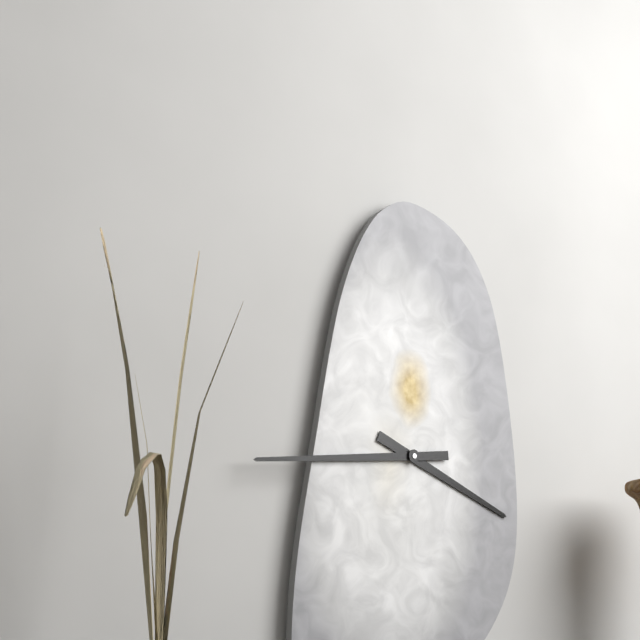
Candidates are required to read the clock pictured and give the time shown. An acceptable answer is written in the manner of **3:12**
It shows **3:44**
